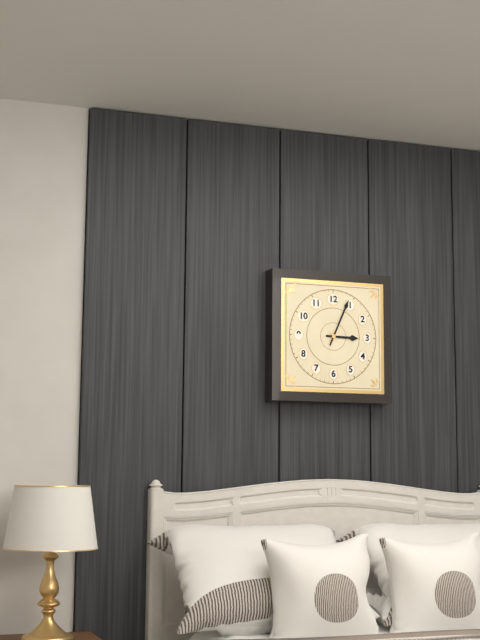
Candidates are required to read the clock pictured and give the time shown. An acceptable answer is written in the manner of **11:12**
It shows **3:04**
